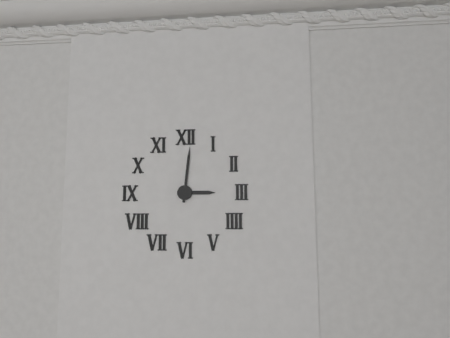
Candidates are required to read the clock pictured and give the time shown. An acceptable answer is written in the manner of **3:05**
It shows **3:01**
